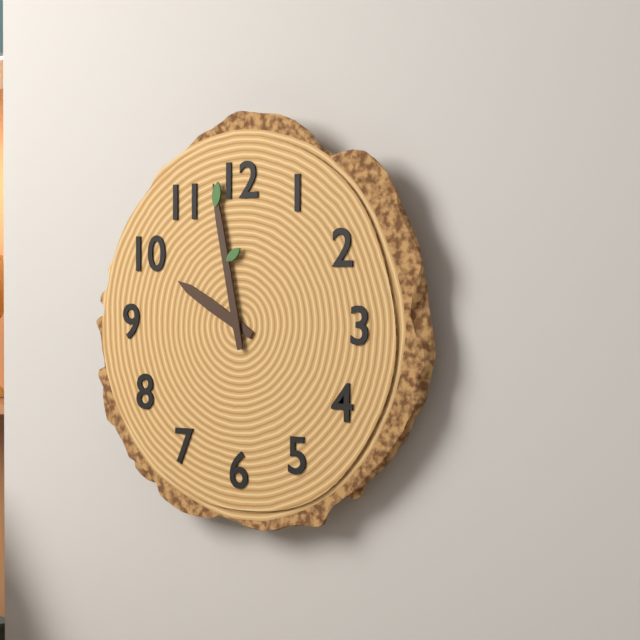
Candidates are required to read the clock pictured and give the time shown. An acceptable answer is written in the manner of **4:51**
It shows **9:58**
